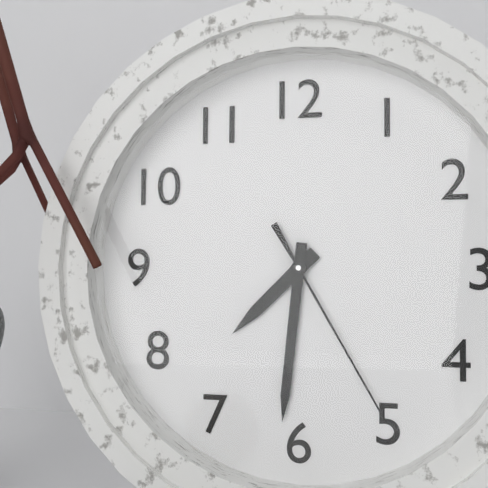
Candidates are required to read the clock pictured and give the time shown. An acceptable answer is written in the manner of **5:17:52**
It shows **7:31:25**
